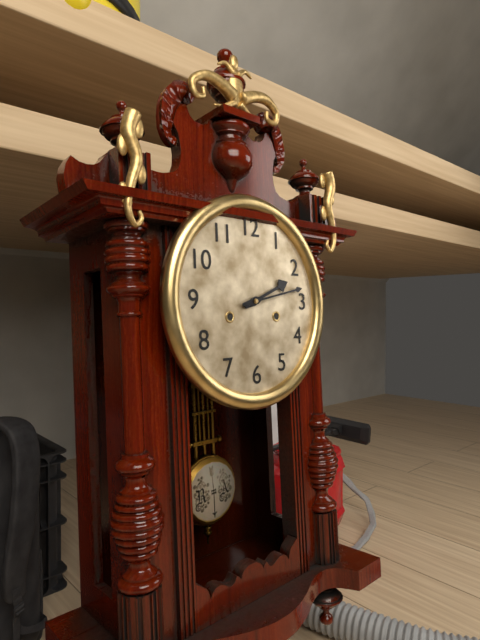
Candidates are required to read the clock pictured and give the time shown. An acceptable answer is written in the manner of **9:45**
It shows **2:13**
